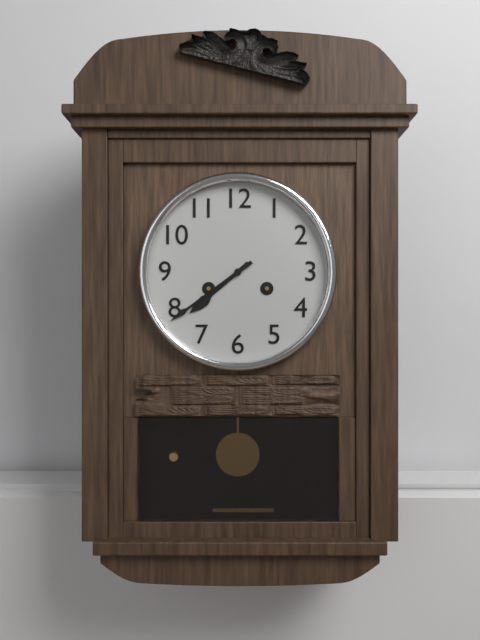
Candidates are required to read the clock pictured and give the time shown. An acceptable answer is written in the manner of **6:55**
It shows **7:39**
